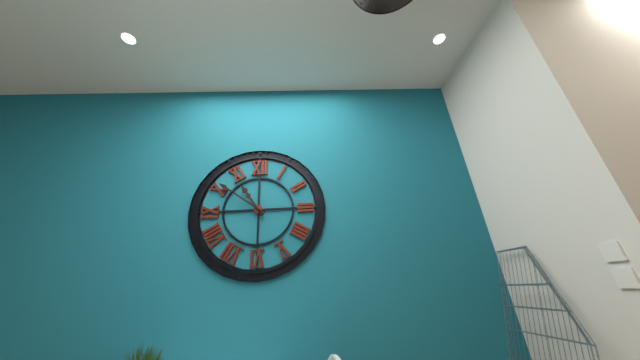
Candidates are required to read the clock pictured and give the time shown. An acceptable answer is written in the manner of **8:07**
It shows **10:51**
